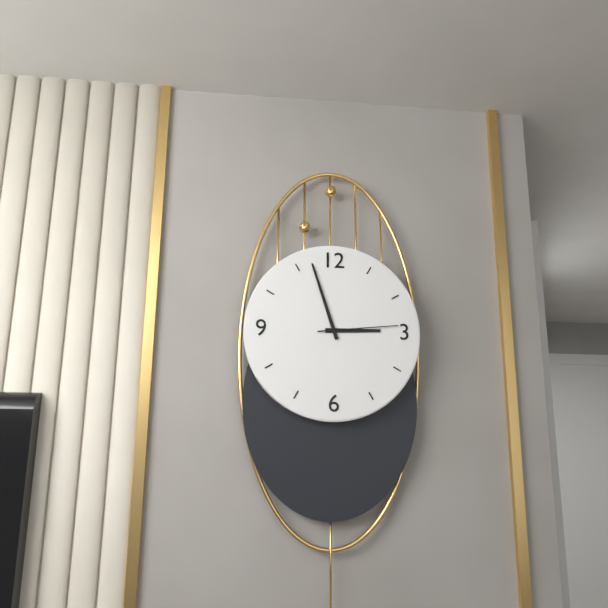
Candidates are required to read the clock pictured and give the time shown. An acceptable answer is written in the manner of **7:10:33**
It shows **2:57:14**
